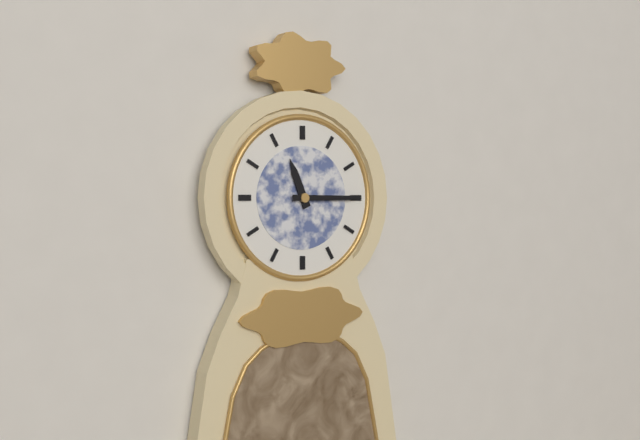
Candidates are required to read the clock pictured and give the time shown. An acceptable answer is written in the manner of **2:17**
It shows **11:15**
